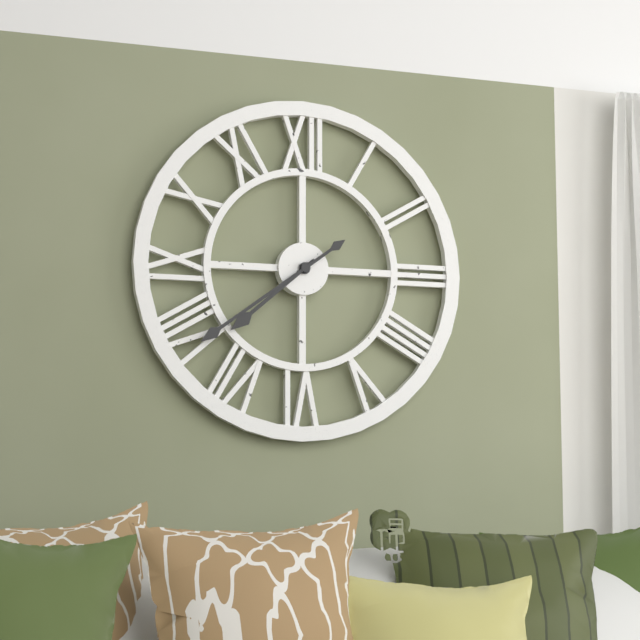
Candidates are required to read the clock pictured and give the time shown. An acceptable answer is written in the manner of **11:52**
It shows **7:39**
